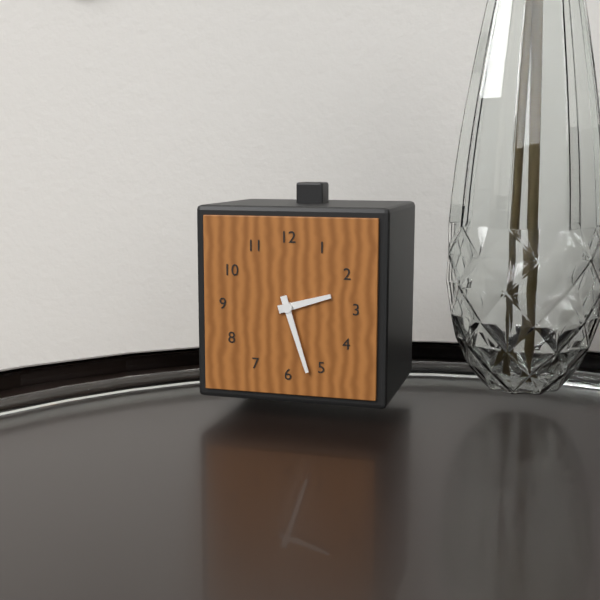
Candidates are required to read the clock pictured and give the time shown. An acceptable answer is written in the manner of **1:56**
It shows **2:27**
